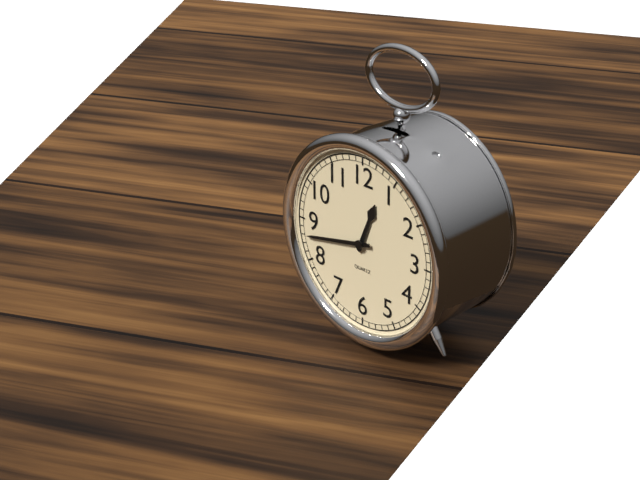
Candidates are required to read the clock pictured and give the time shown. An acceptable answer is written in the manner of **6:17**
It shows **12:43**
